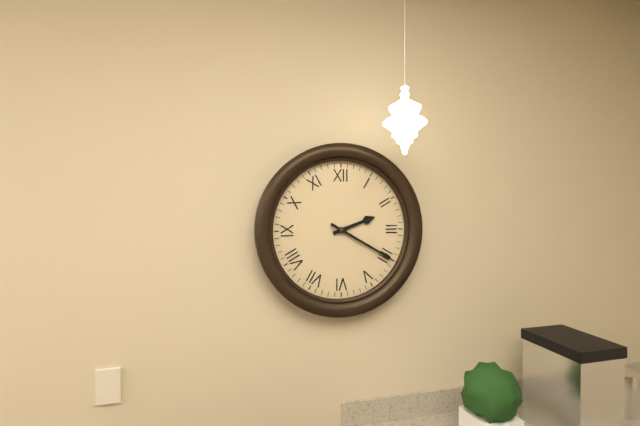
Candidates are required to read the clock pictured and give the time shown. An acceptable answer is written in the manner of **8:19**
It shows **2:20**
